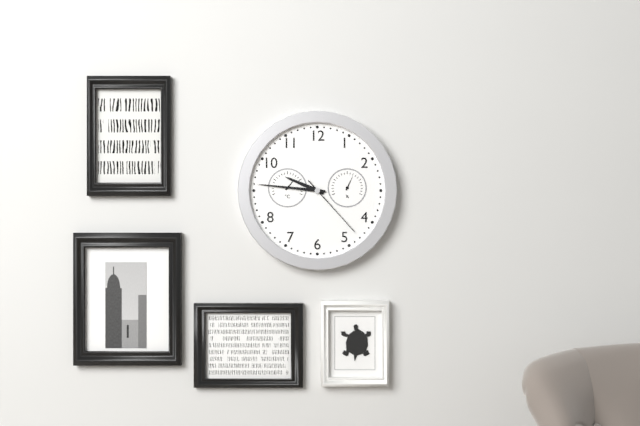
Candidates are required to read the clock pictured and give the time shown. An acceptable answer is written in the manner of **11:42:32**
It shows **9:46:23**
